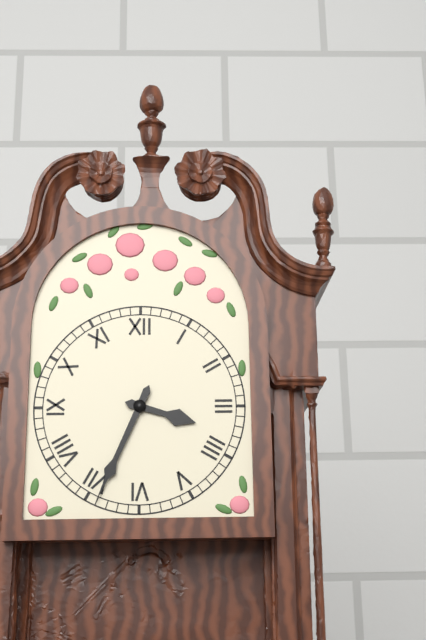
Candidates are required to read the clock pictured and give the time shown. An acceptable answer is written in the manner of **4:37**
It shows **3:34**
